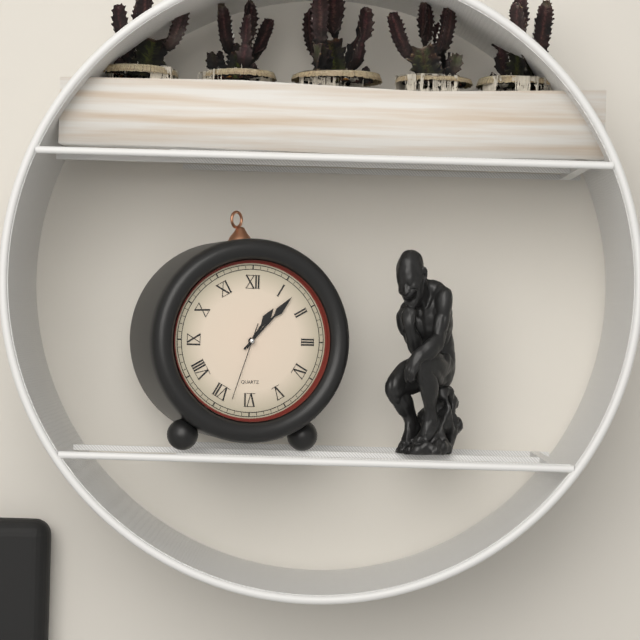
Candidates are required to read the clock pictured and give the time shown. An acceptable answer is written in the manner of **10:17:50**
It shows **1:07:33**
